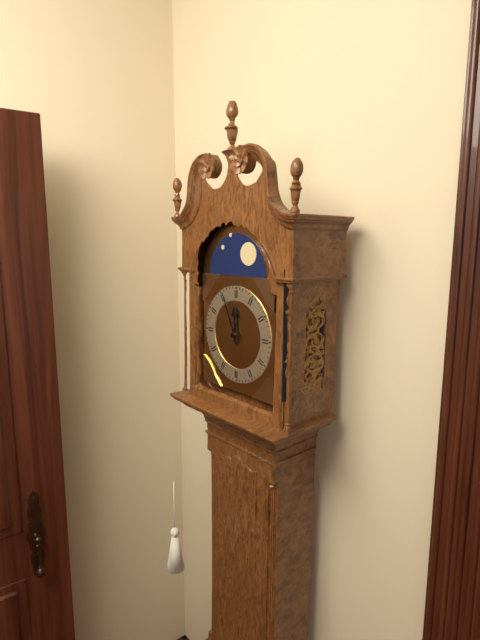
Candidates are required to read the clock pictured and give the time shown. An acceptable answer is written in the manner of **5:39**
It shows **11:56**
